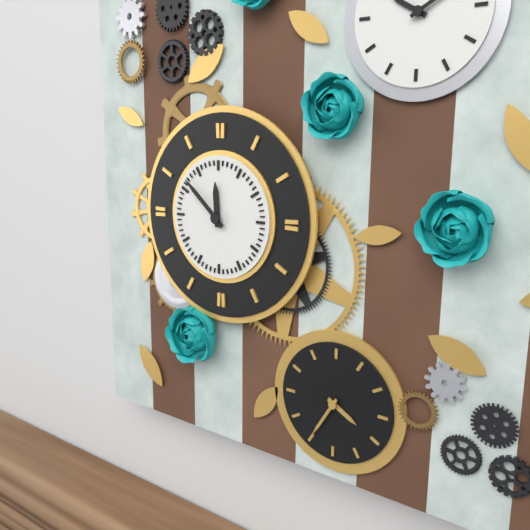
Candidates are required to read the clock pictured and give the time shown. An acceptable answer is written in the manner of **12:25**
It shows **11:52**
